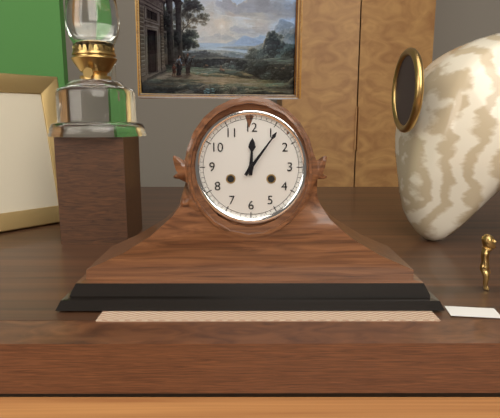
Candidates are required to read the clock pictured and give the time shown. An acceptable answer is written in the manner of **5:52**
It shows **12:06**
